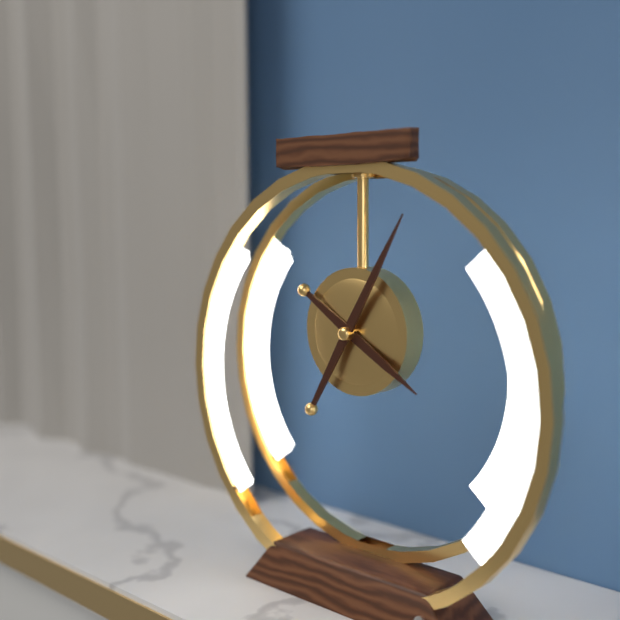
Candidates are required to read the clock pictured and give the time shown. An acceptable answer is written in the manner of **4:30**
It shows **4:05**
